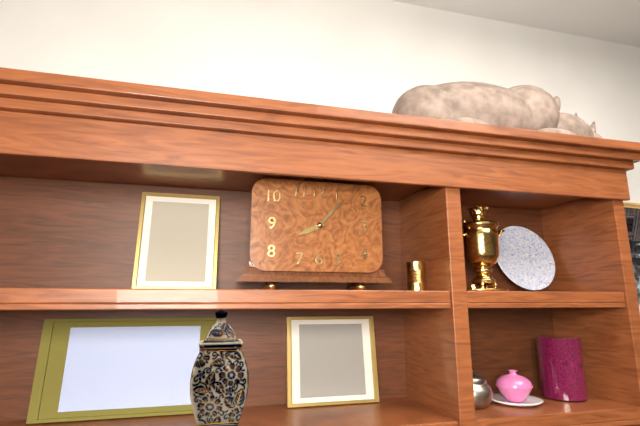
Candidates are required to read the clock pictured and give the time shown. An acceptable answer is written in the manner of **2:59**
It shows **8:07**
